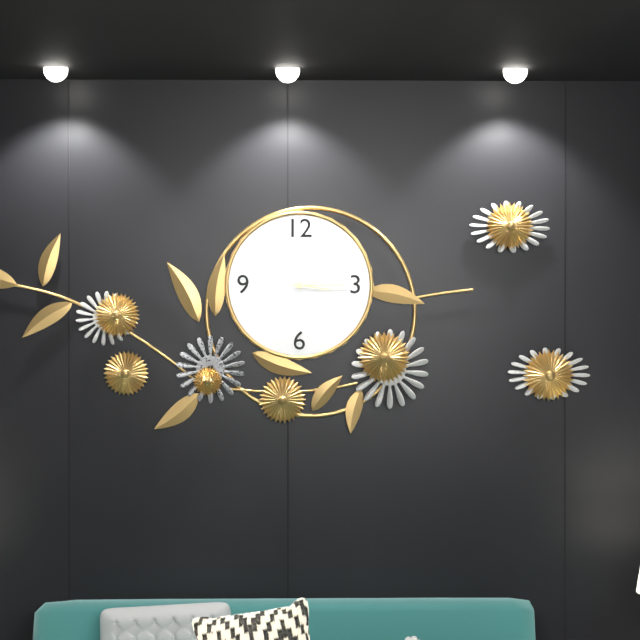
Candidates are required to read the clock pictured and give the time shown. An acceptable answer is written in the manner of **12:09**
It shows **3:15**
